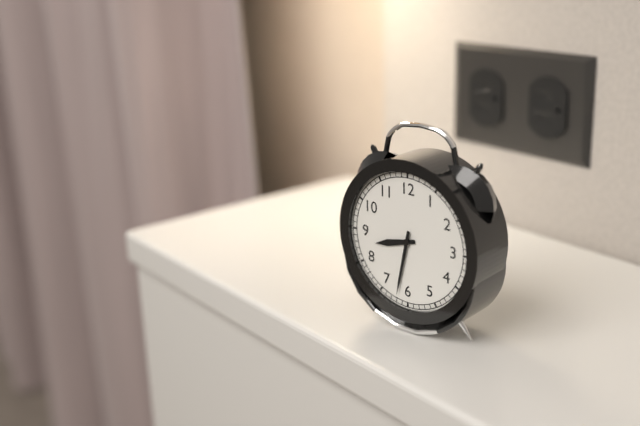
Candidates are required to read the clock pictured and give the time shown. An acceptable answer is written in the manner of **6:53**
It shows **8:32**
